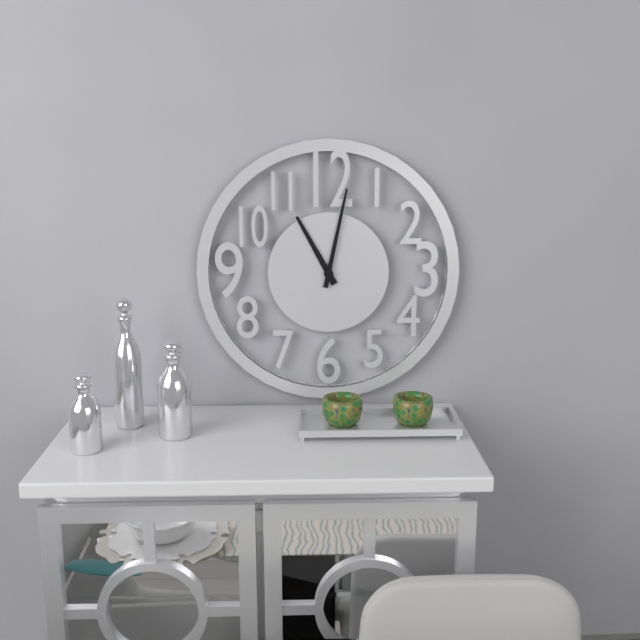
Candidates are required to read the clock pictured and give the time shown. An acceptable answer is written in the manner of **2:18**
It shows **11:02**
